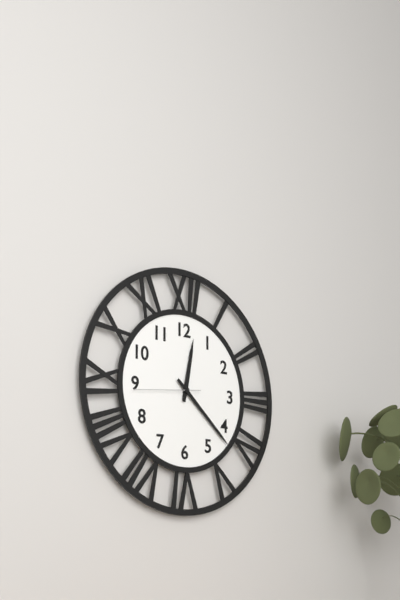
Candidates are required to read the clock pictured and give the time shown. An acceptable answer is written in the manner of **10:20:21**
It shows **12:22:44**
